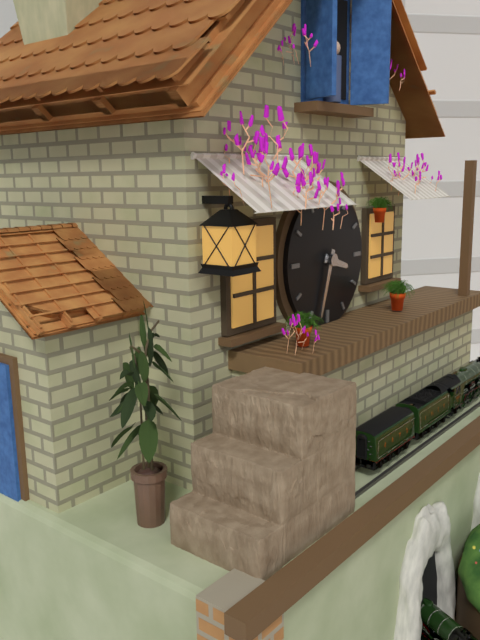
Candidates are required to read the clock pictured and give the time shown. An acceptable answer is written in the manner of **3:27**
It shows **3:33**
